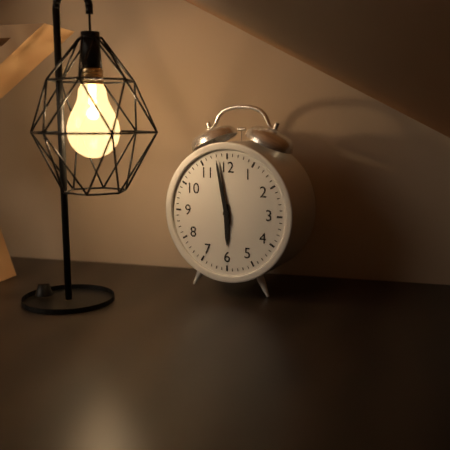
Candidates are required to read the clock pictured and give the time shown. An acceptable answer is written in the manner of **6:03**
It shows **5:58**
